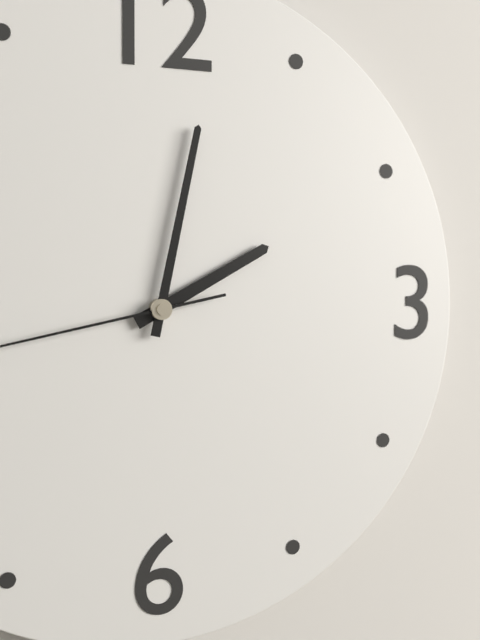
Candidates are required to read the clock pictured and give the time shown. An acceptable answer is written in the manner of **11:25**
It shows **2:02**
